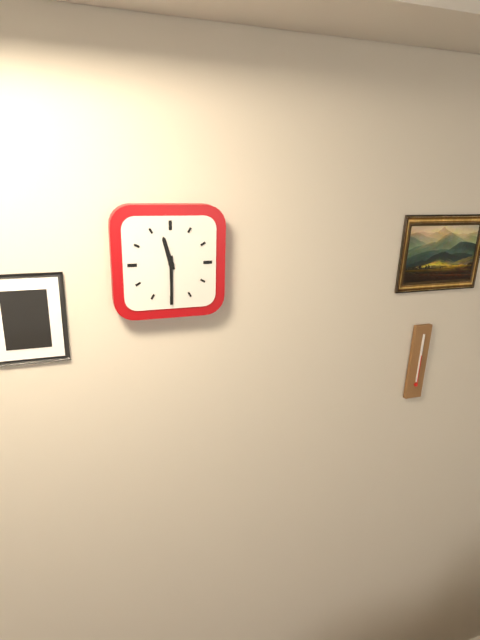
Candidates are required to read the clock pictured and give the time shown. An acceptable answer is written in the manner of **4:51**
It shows **11:30**
